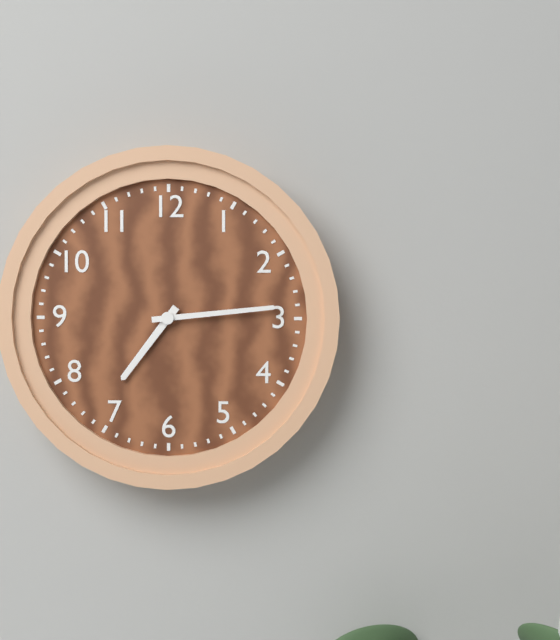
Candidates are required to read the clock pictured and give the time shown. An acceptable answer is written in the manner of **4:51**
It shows **7:14**
